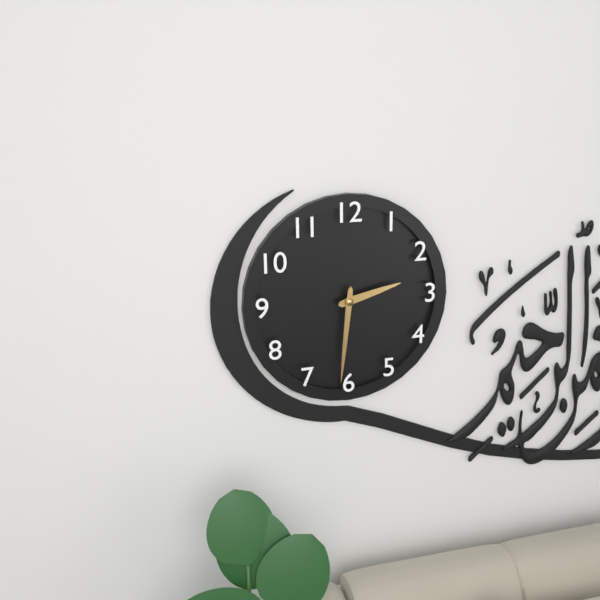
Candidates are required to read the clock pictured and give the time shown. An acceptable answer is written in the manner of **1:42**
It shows **2:31**
